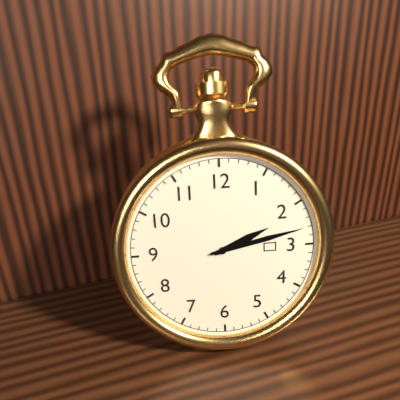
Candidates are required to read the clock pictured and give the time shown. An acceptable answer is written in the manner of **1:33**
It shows **2:13**
